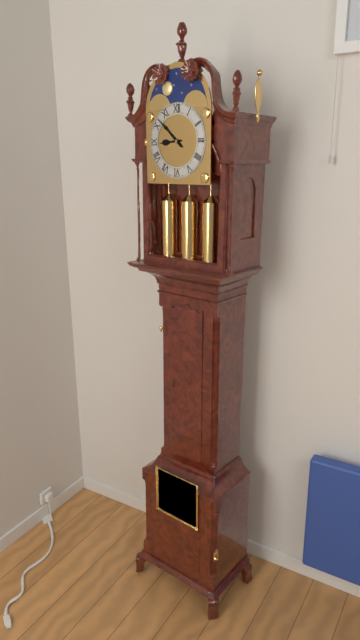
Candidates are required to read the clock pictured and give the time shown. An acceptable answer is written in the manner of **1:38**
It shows **8:52**
